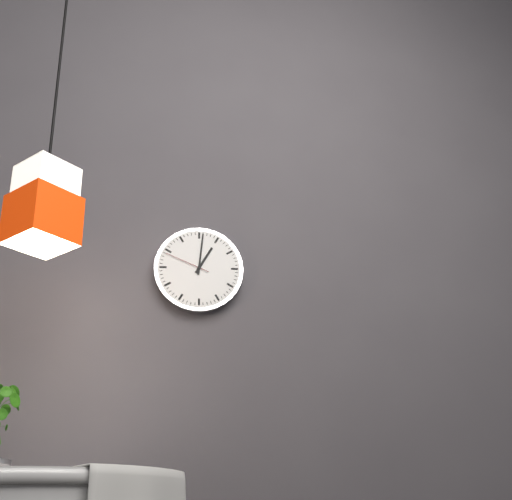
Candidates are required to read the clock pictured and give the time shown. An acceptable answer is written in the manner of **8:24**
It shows **1:01**
